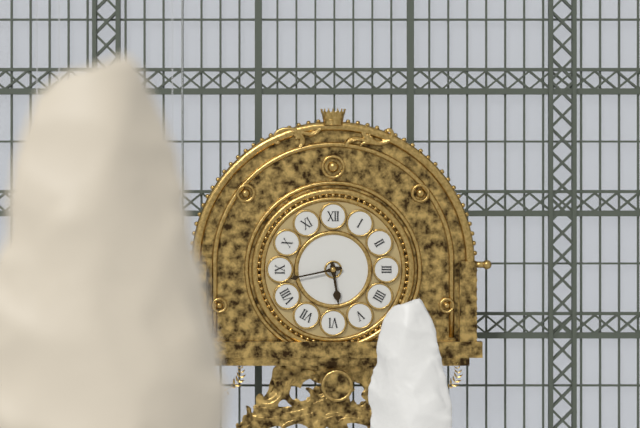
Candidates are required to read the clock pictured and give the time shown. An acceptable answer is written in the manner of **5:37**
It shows **5:43**
